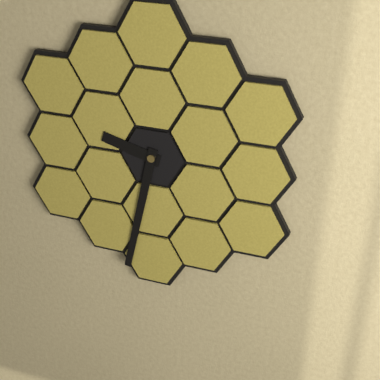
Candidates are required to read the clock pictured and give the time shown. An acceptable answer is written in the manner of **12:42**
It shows **9:32**
